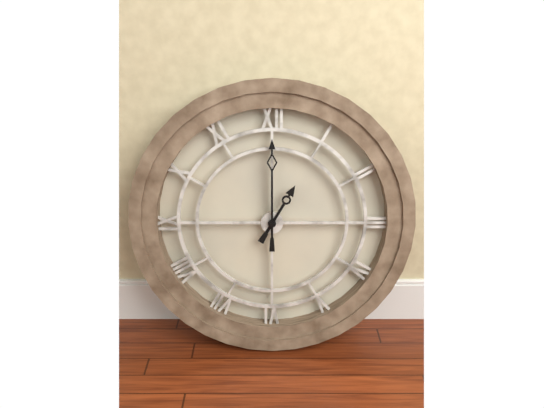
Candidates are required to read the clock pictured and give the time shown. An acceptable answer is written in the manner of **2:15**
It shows **1:00**
